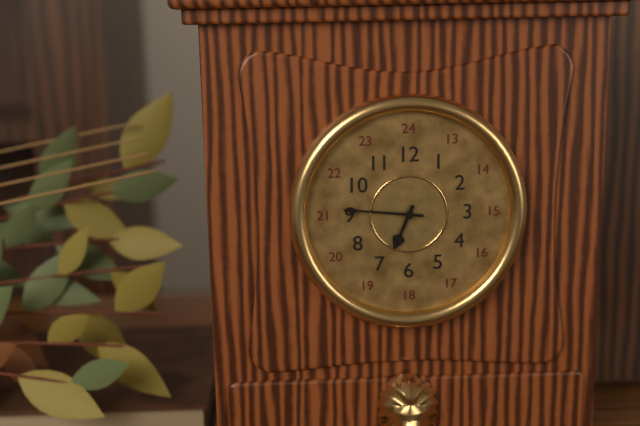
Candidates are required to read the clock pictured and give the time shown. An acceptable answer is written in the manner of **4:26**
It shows **6:46**
